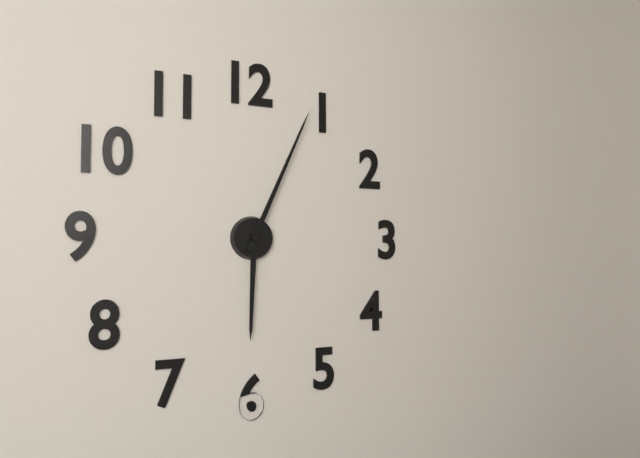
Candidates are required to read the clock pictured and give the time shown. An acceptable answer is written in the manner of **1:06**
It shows **6:04**
